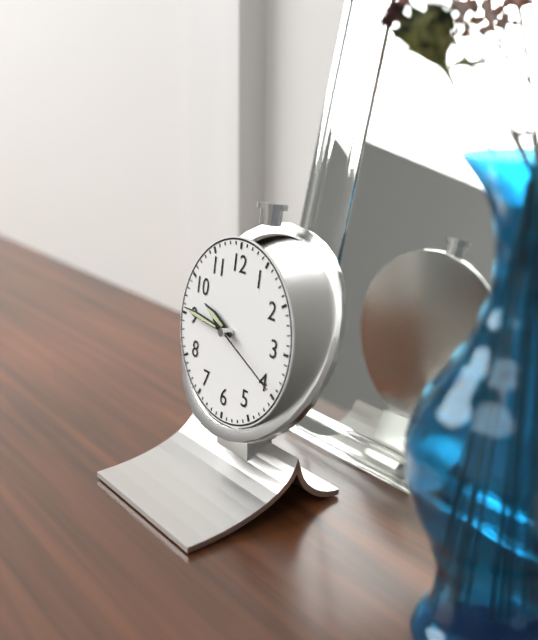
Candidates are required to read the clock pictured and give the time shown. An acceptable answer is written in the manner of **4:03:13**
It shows **9:46:19**
